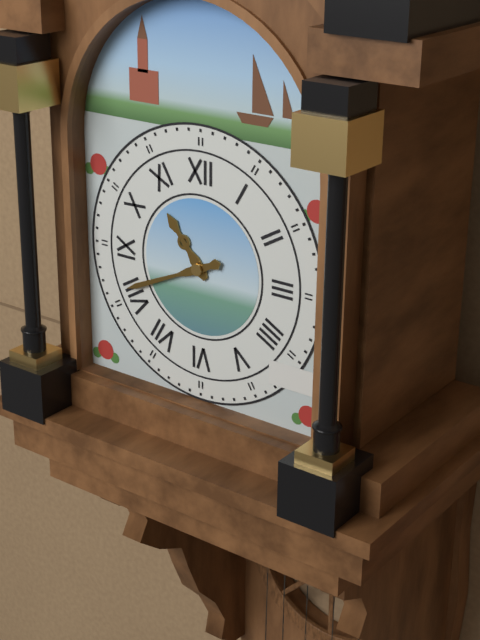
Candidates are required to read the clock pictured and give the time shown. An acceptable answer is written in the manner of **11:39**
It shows **10:41**
